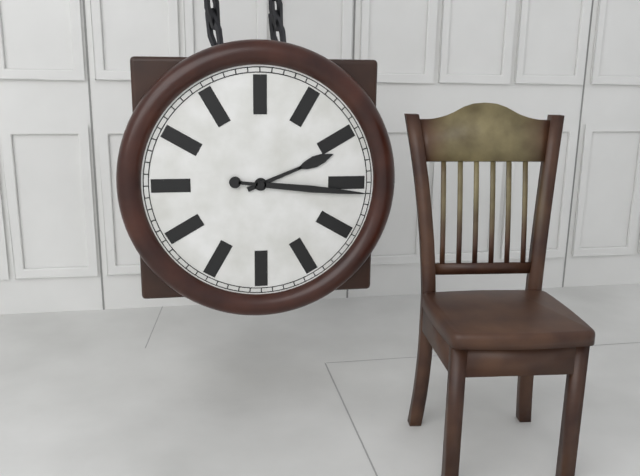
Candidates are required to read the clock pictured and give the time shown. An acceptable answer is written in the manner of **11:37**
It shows **2:16**
